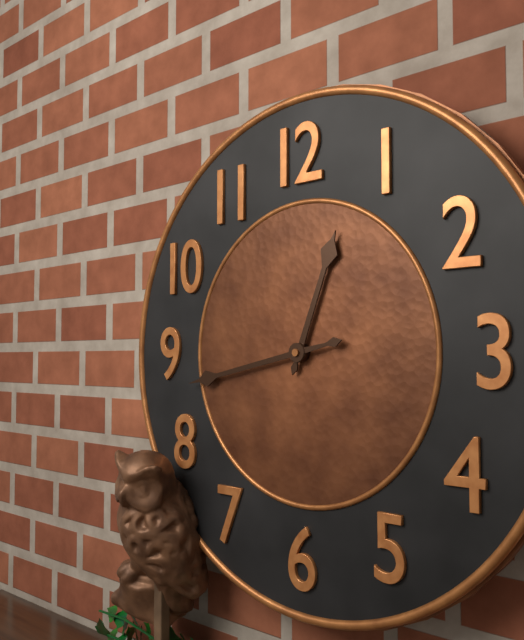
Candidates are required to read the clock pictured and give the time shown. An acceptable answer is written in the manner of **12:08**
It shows **12:43**
